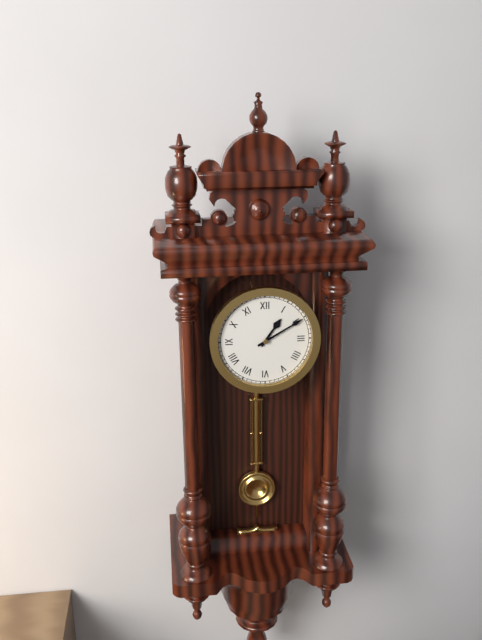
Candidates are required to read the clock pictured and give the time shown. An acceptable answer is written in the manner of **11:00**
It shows **1:10**
